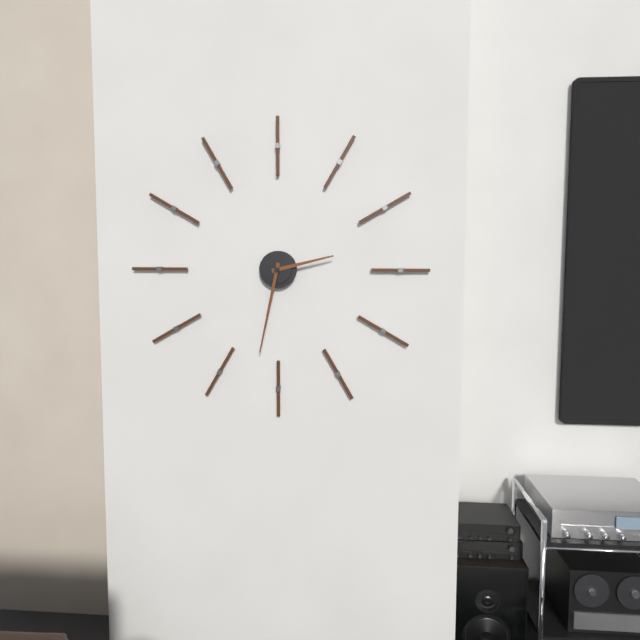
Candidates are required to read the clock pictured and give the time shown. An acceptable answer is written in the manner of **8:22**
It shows **2:32**
